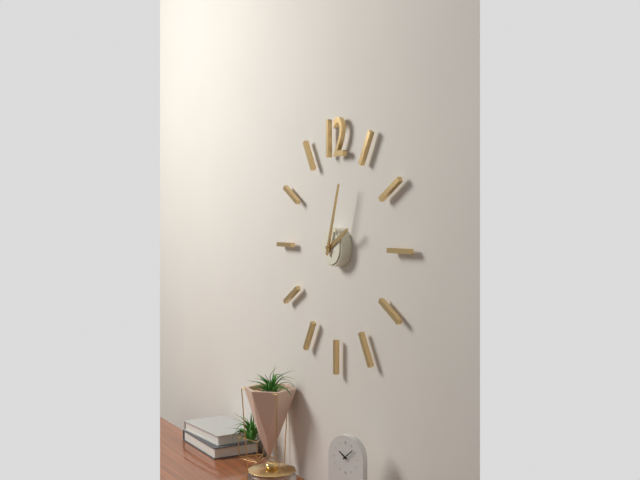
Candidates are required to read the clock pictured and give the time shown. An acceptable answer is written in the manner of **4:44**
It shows **2:03**
